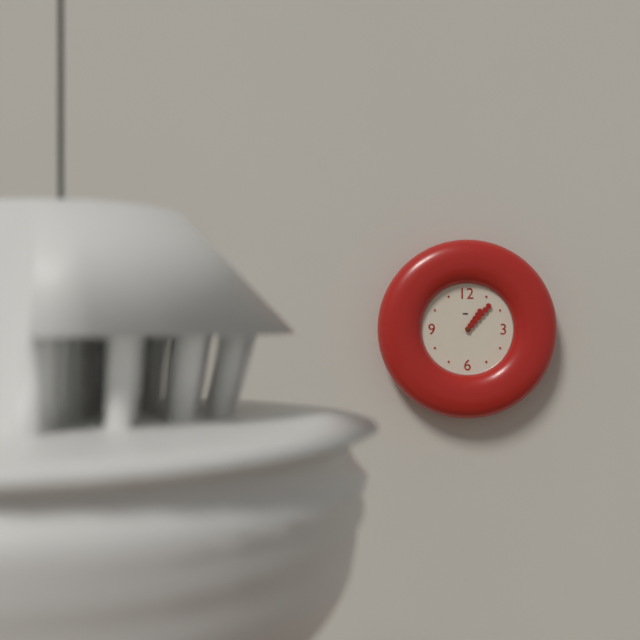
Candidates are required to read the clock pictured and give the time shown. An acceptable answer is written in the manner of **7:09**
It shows **1:07**
